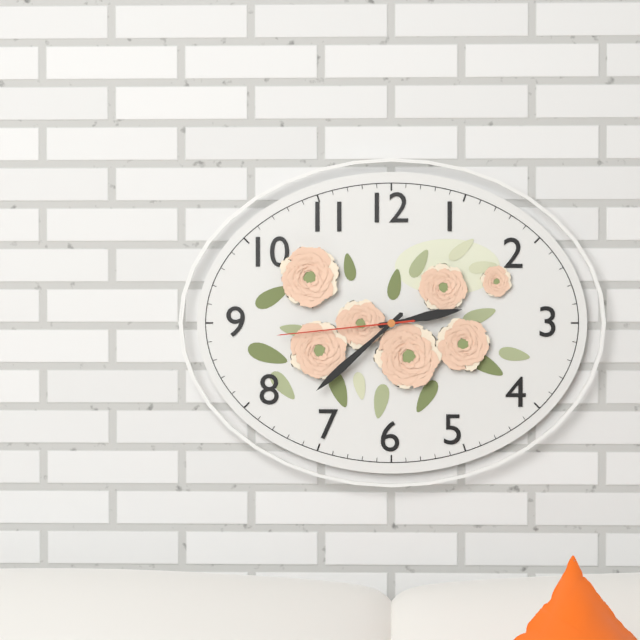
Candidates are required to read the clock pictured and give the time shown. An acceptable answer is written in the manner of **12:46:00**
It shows **2:38:44**
